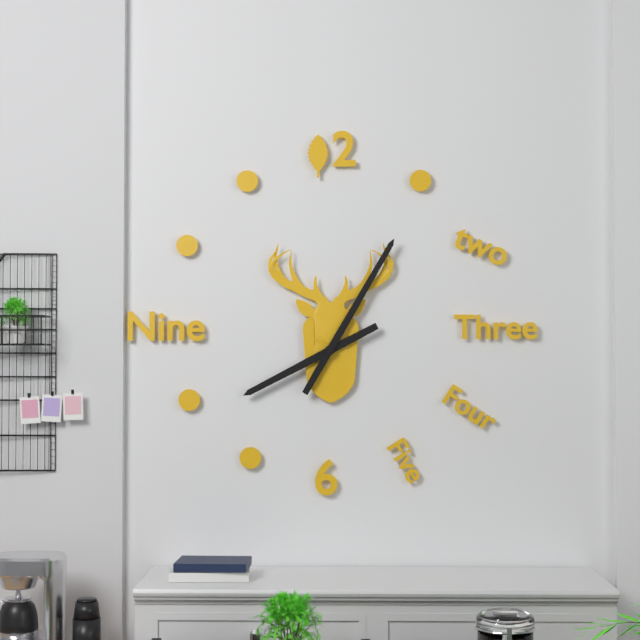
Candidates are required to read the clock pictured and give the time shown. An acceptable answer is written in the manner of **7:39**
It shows **8:05**
